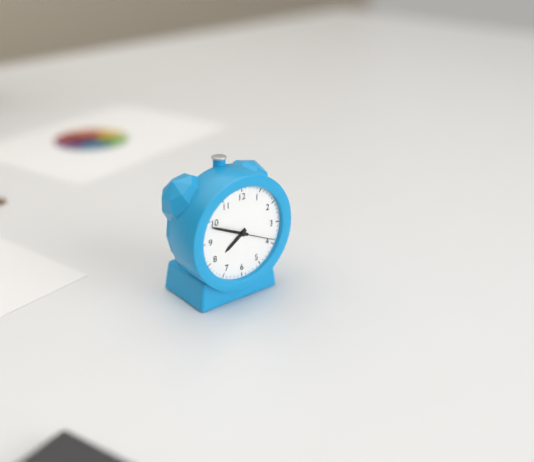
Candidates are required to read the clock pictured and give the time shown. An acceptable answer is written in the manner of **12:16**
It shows **7:49**
